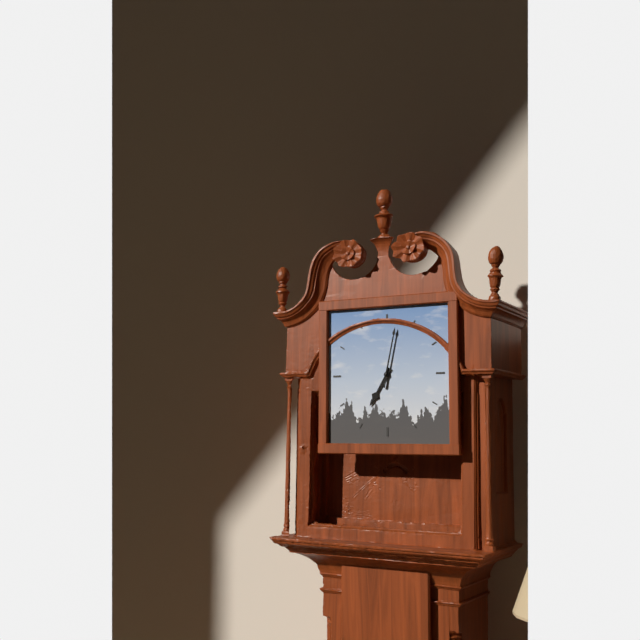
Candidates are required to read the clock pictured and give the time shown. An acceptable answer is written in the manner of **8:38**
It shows **7:02**
